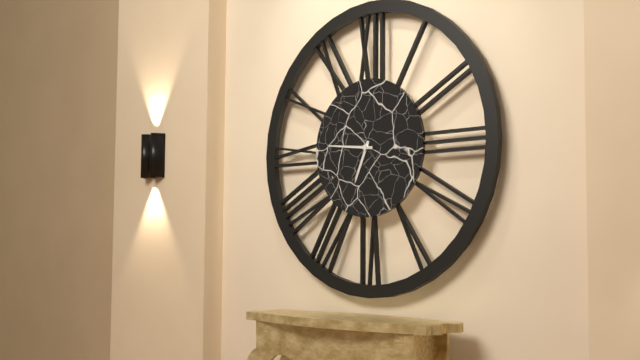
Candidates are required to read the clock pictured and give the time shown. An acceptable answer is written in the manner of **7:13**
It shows **6:46**
